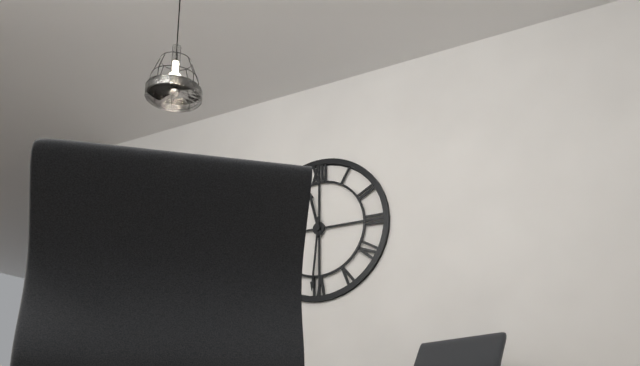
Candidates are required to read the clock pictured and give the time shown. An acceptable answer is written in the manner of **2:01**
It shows **11:31**
